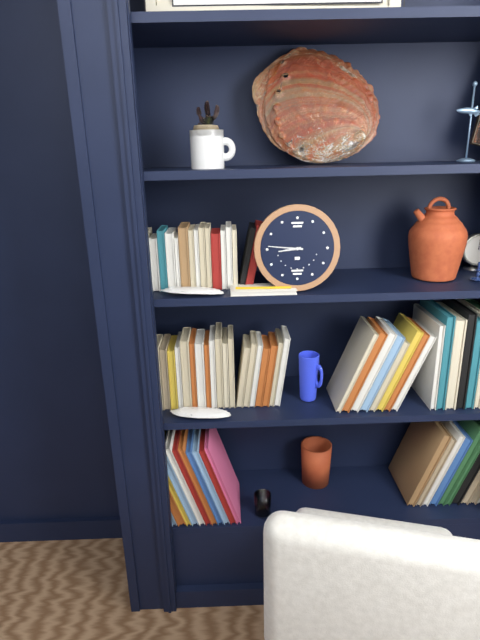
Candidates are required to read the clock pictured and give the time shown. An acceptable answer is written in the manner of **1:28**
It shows **8:46**
